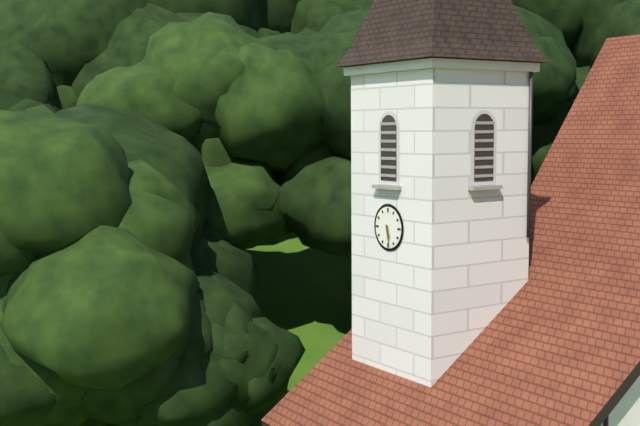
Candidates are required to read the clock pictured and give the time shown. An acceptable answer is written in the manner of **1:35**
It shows **5:28**
